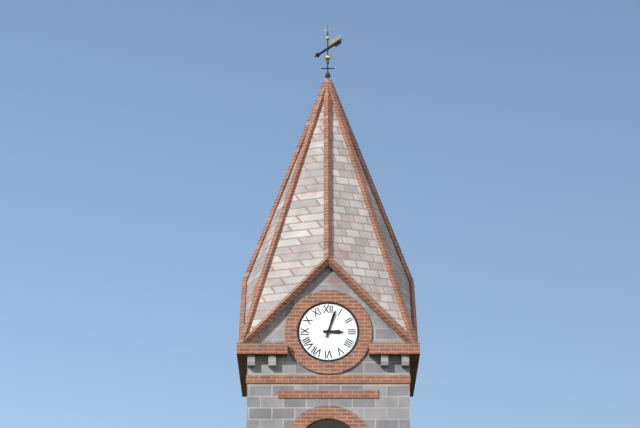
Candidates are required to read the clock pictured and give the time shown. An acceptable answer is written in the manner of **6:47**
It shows **3:03**
